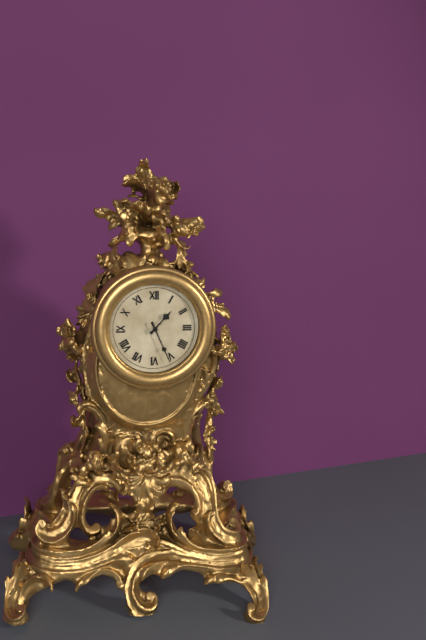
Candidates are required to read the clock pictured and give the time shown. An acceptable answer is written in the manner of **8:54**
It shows **1:26**
